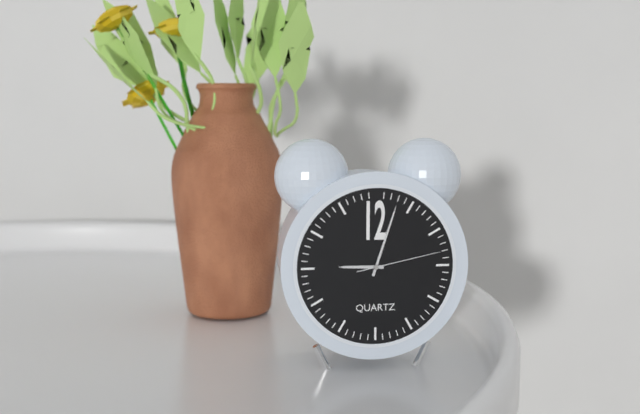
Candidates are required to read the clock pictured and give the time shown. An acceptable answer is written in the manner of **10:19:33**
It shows **9:03:13**
